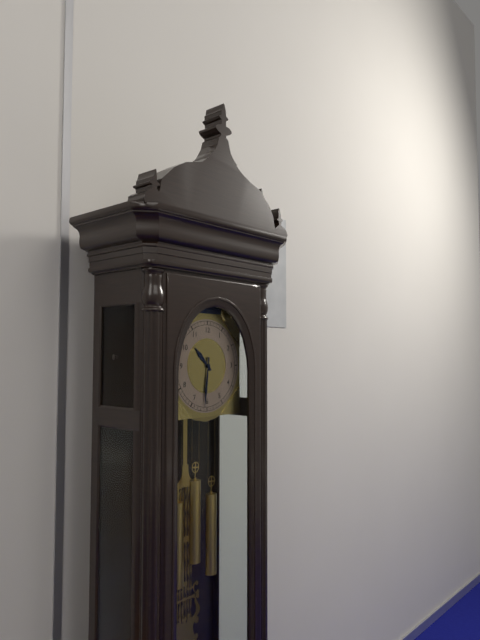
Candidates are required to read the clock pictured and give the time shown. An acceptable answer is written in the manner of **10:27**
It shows **10:31**
